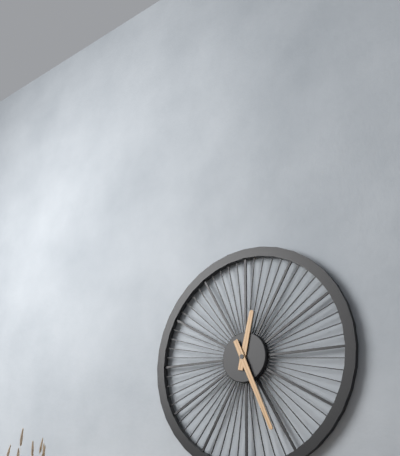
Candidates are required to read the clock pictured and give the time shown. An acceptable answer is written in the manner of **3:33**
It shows **12:26**
